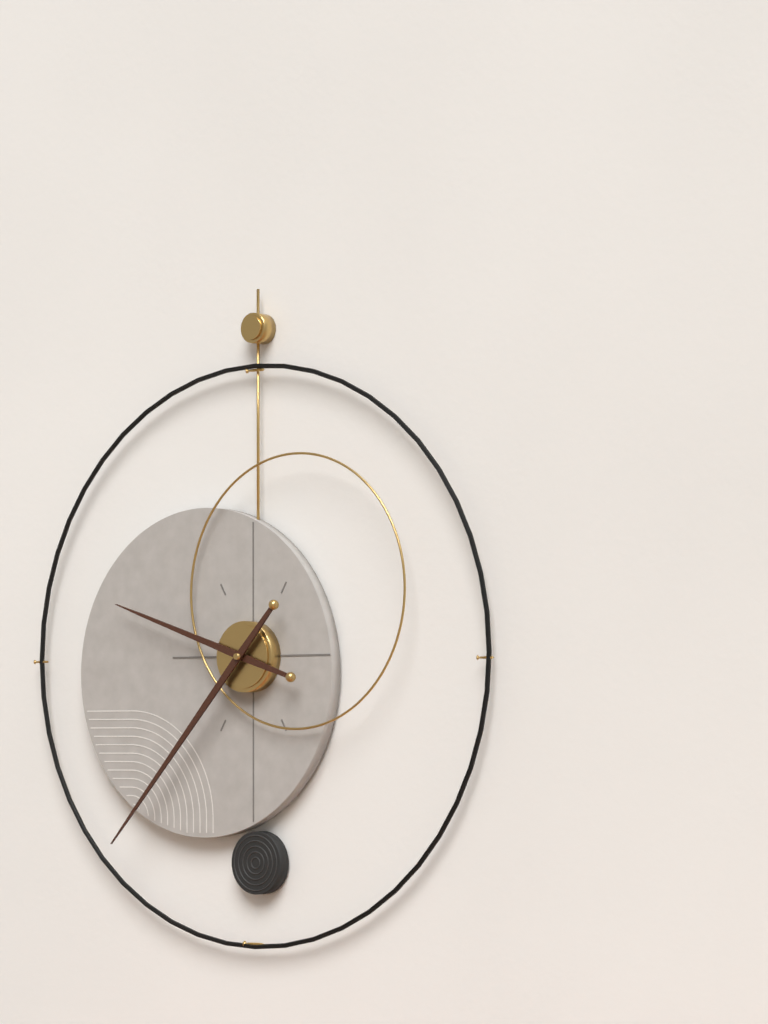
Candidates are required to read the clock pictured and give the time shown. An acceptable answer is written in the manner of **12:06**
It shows **9:37**
